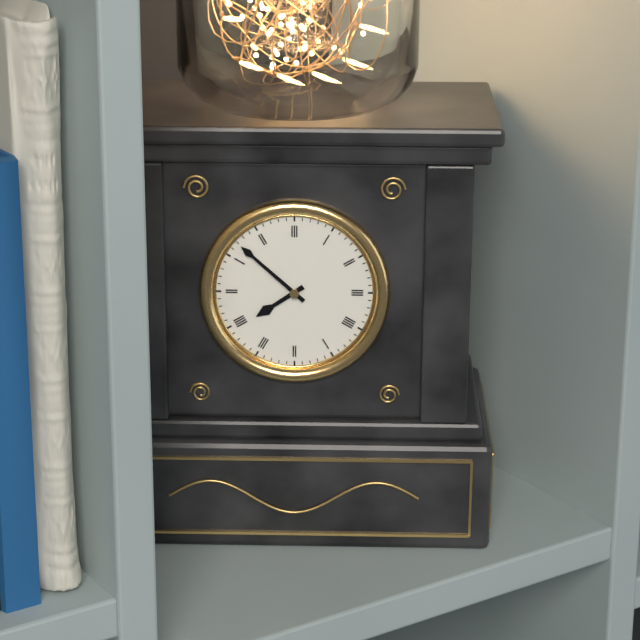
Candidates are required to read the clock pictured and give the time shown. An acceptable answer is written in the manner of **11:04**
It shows **7:52**
